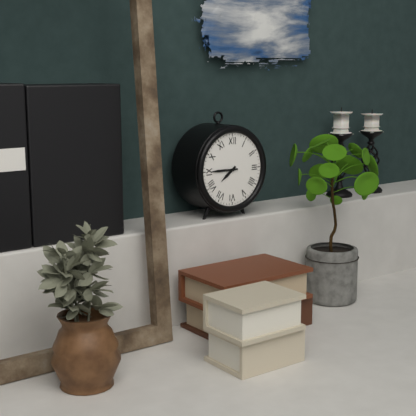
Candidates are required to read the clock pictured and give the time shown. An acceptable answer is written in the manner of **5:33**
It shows **7:45**
